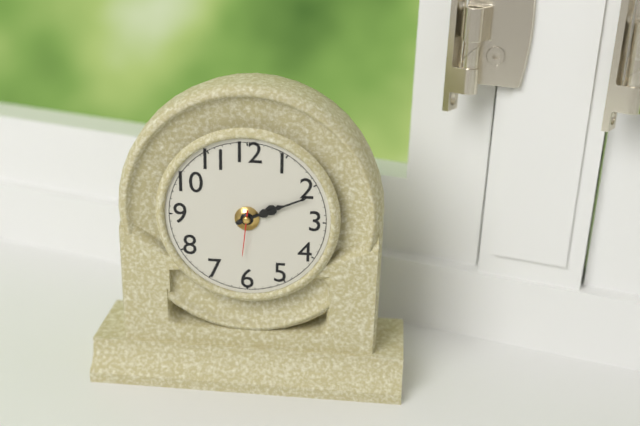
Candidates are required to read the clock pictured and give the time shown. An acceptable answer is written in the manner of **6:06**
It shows **2:11**
